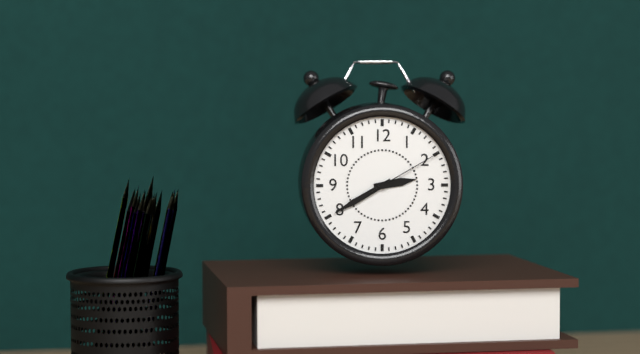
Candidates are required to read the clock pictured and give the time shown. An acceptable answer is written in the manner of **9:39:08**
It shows **2:40:10**
